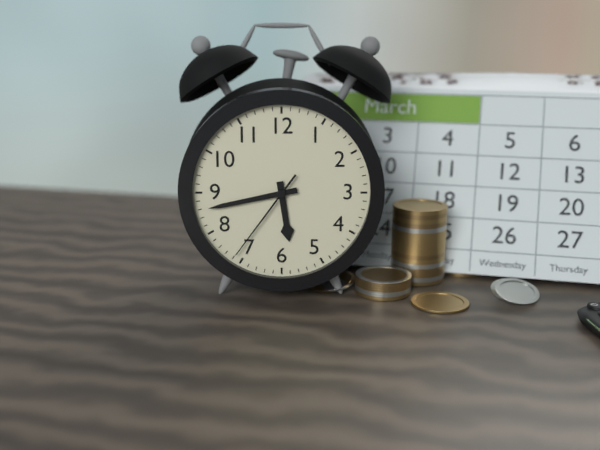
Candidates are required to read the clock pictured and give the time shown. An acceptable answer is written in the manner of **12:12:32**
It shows **5:43:36**
